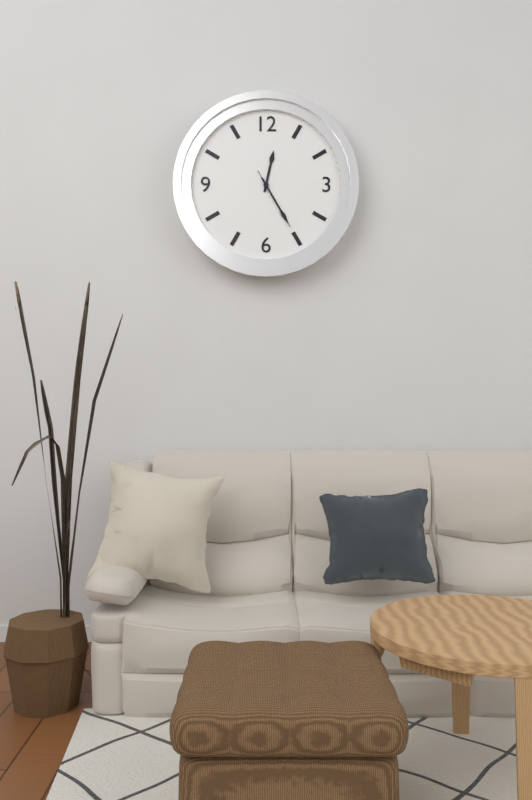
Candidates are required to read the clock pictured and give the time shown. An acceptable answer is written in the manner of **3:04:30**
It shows **12:25:25**
